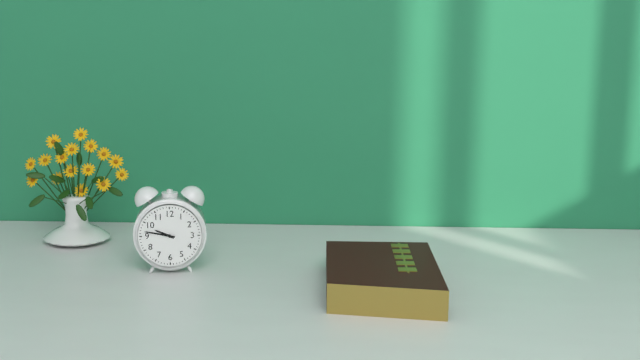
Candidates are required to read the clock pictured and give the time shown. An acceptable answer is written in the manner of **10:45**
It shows **9:47**
